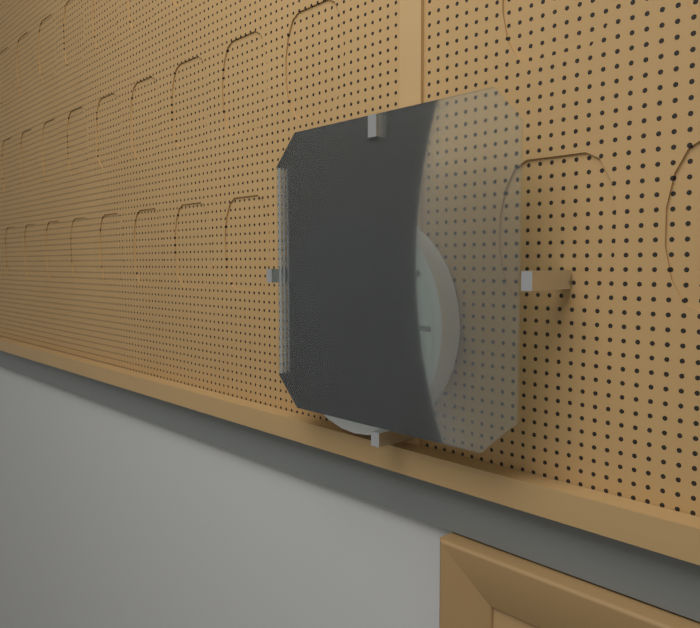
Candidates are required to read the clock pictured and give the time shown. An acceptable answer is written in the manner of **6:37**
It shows **10:31**
